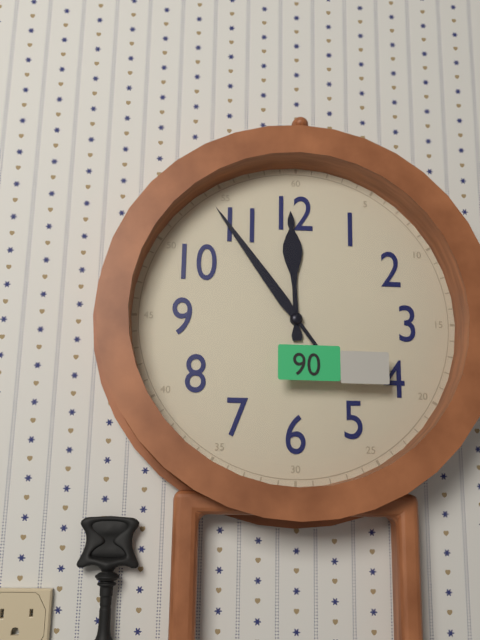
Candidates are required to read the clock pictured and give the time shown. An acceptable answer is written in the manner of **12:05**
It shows **11:54**
